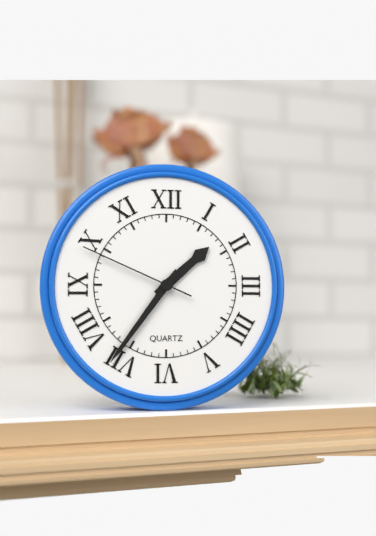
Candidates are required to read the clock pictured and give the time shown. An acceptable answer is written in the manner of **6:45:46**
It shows **1:36:49**
